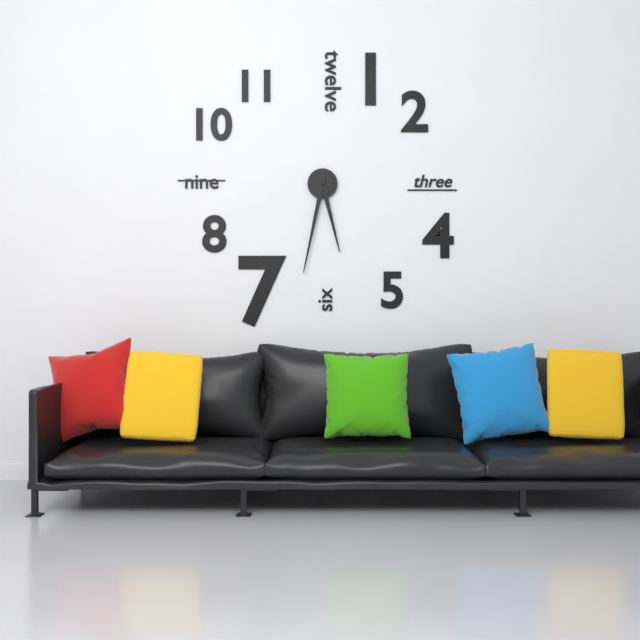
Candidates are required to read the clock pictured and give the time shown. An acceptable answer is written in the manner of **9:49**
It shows **5:32**
